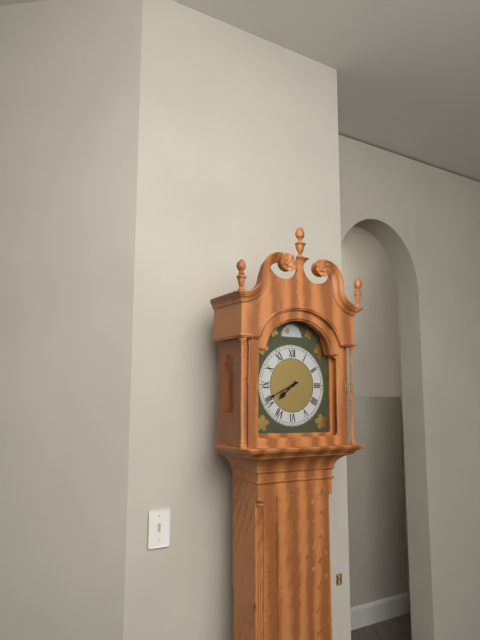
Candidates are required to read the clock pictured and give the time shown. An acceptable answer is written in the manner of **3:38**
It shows **7:41**
